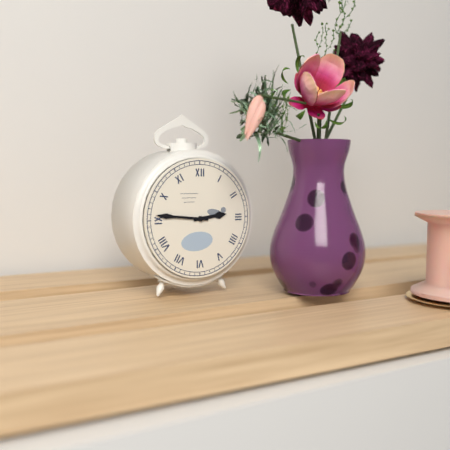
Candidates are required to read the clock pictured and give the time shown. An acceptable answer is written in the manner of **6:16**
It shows **2:46**
